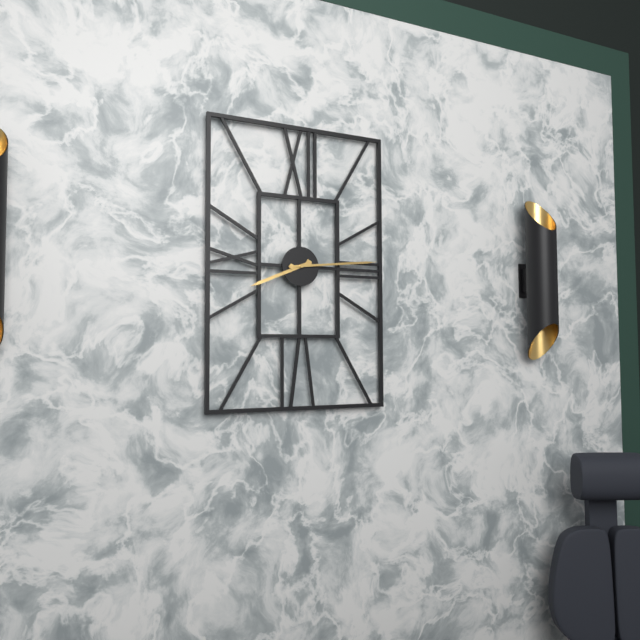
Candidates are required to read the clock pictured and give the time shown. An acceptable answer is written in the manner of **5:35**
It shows **8:14**
